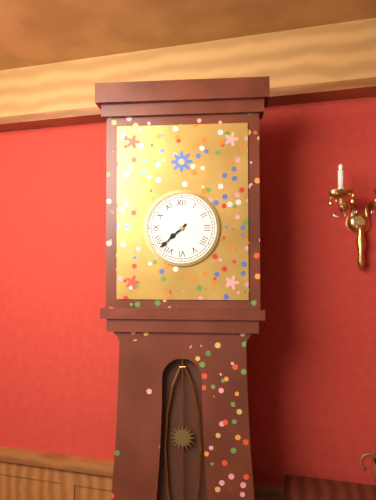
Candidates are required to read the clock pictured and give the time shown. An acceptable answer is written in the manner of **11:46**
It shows **7:38**
